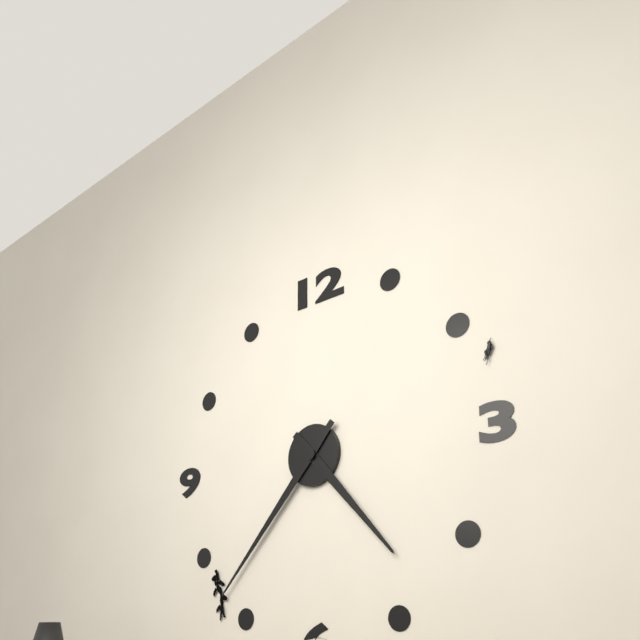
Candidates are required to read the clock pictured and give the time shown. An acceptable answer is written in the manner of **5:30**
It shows **4:37**
